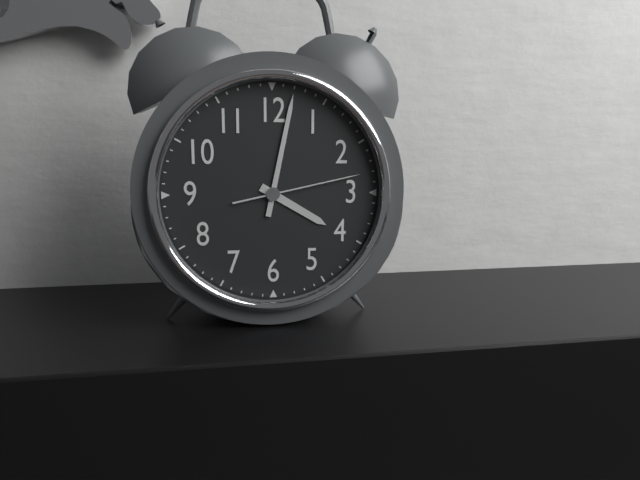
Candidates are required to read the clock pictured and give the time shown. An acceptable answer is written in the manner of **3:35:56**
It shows **4:02:13**
